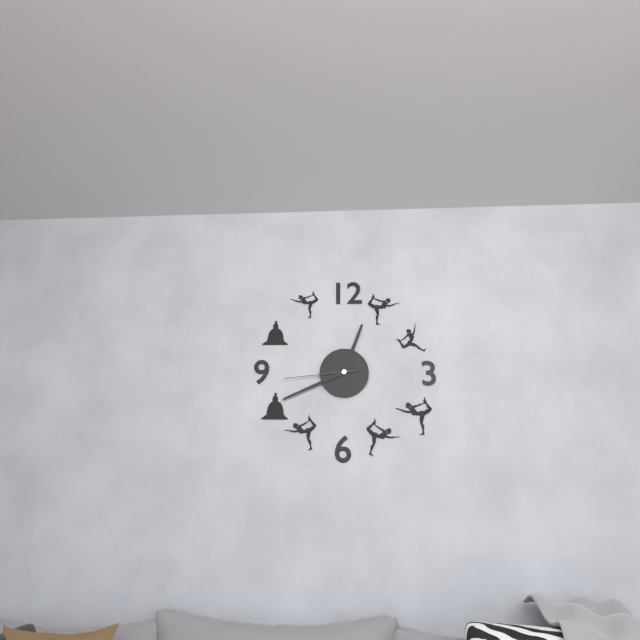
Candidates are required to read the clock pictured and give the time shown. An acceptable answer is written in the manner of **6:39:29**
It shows **12:41:44**
